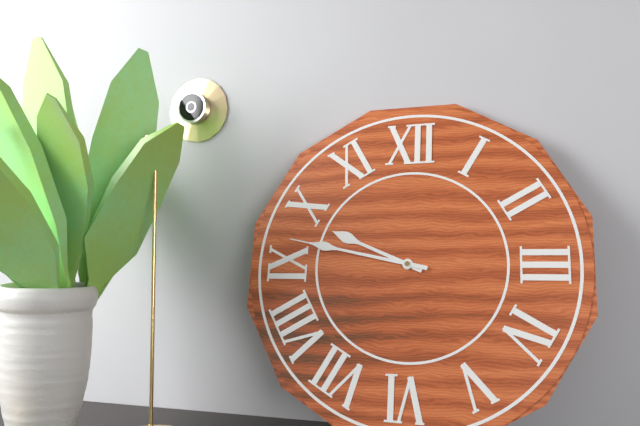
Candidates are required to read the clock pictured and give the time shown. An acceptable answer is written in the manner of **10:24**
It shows **9:47**
